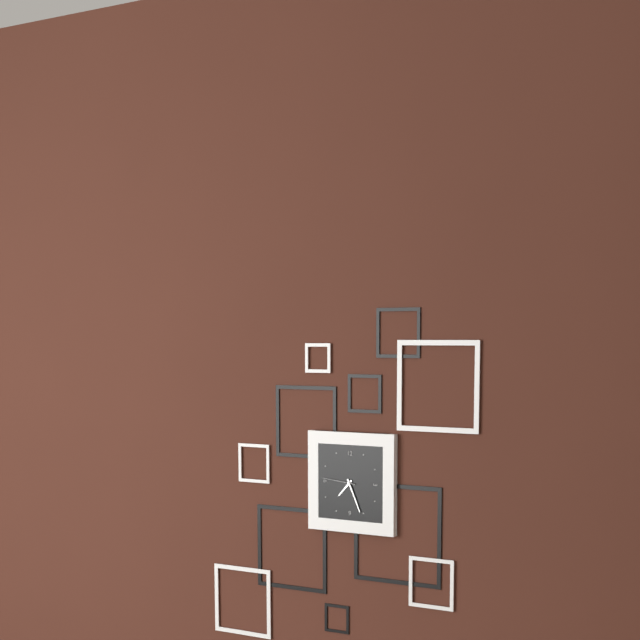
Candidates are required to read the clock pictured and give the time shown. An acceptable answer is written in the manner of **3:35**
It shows **7:26**
